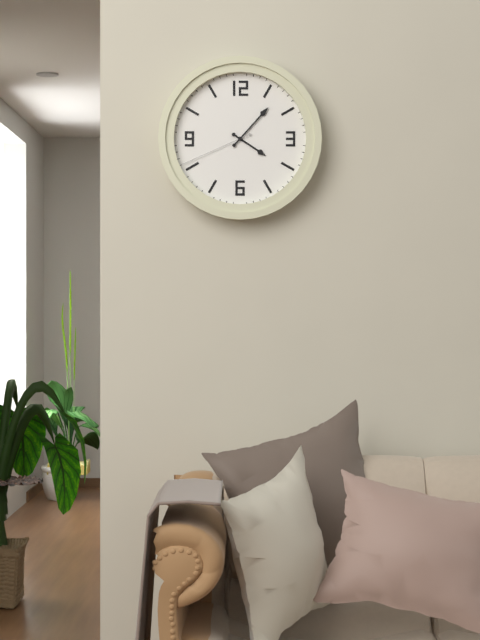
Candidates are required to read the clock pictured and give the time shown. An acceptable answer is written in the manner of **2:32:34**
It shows **4:07:41**
